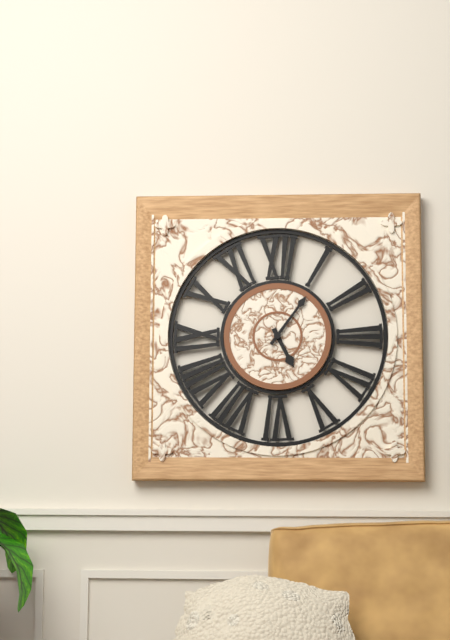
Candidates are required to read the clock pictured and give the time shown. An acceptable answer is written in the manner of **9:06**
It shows **5:06**
